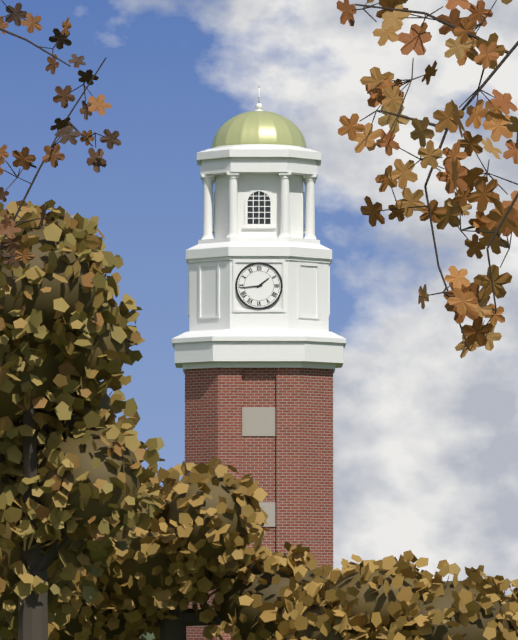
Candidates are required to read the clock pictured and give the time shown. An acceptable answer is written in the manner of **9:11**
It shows **1:44**
